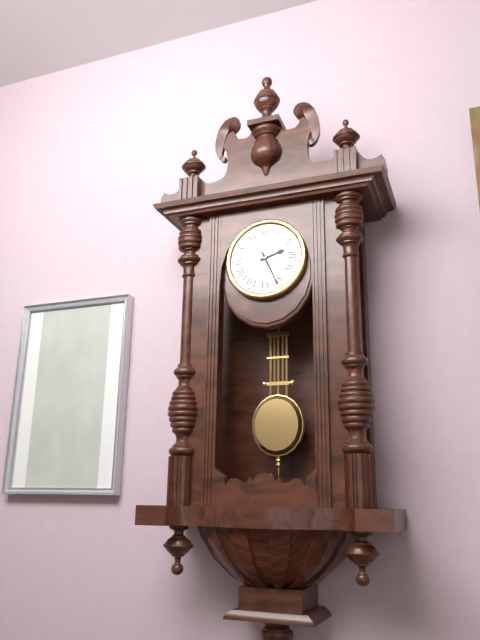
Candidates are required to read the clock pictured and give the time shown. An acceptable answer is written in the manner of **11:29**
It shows **2:26**
